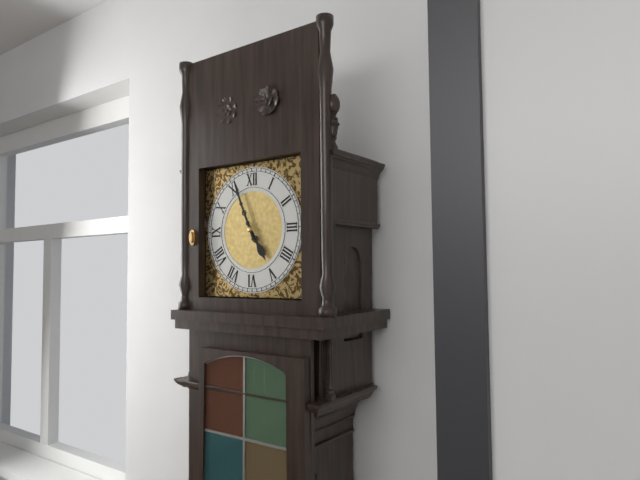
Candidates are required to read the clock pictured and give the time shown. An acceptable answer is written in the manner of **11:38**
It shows **4:56**
